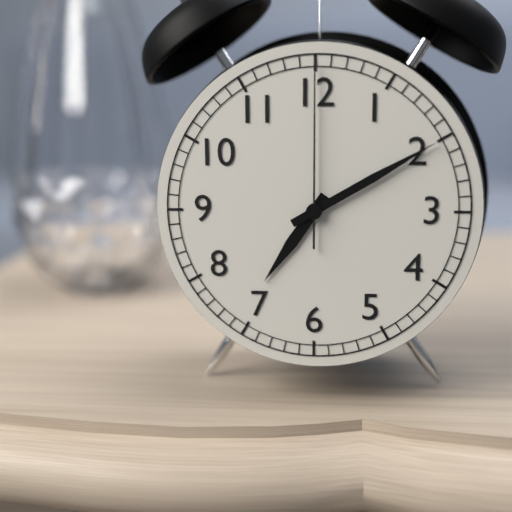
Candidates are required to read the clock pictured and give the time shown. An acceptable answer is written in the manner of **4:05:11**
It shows **7:10:00**
